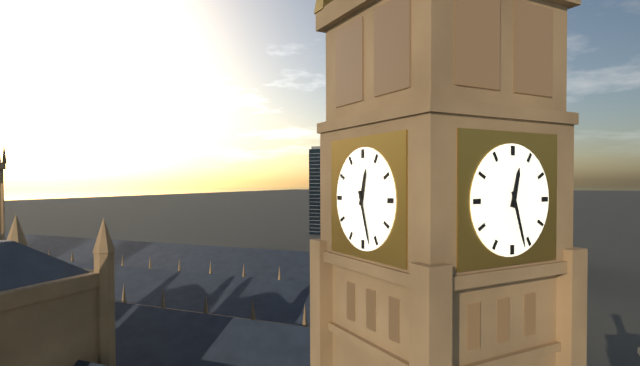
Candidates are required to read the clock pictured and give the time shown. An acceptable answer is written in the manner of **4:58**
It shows **12:27**
